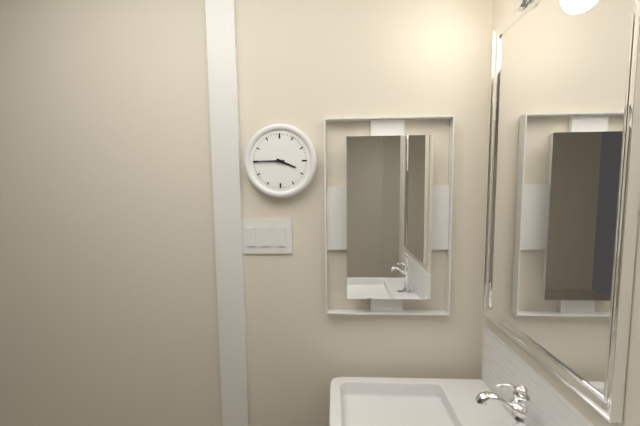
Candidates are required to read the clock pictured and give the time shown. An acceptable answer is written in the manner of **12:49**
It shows **3:45**
